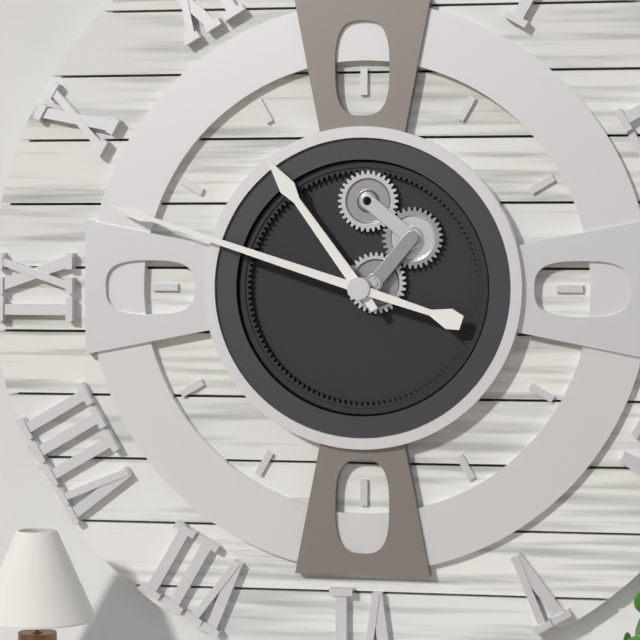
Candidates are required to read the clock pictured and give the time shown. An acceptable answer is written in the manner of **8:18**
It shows **10:48**
